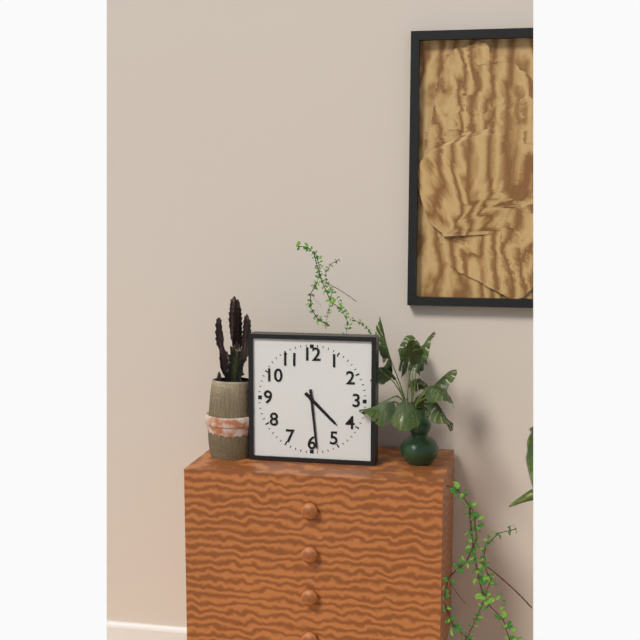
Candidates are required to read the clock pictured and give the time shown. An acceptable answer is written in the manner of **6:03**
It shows **4:29**
